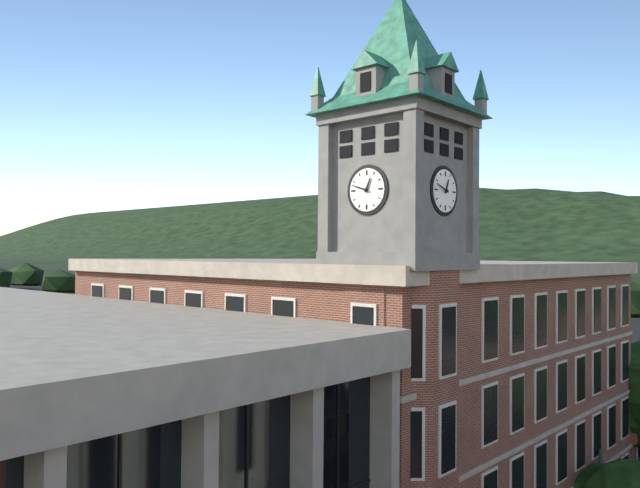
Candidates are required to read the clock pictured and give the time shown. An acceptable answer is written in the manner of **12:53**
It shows **12:48**
